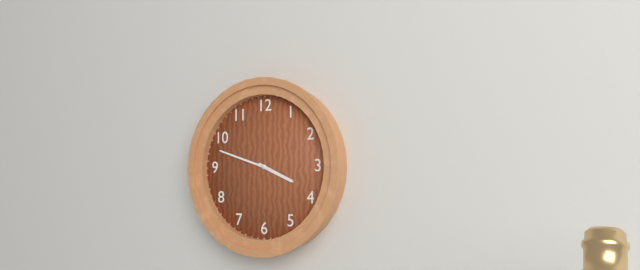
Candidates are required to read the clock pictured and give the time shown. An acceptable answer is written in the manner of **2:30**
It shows **3:48**
